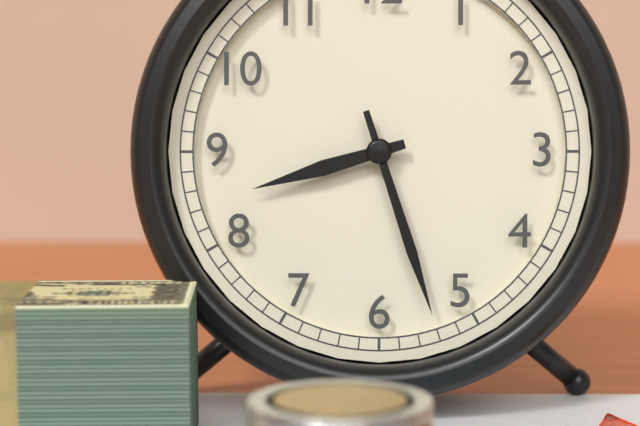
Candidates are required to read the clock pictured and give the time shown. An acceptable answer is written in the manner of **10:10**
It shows **8:27**
